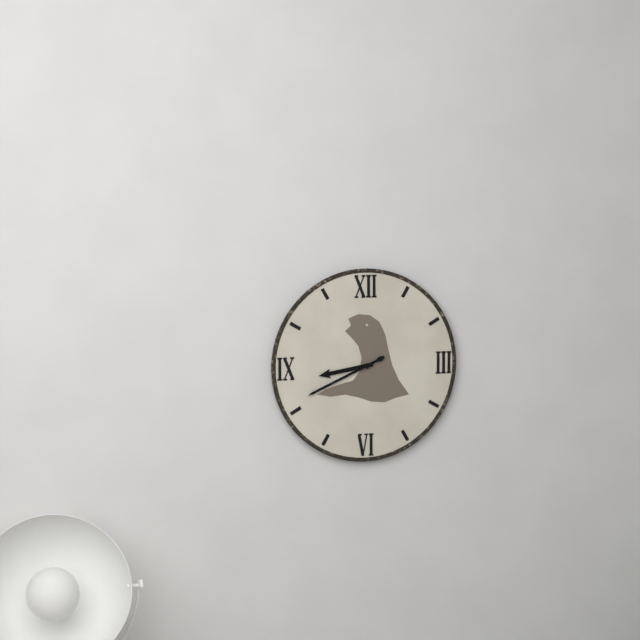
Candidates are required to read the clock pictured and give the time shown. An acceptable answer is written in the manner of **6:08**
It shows **8:41**
